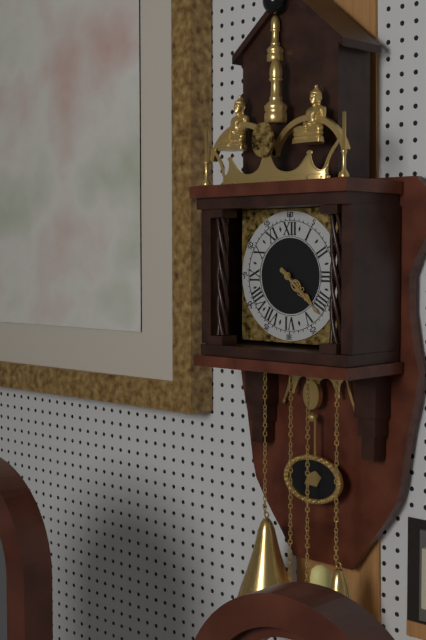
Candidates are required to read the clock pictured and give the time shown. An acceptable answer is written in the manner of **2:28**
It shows **4:22**
